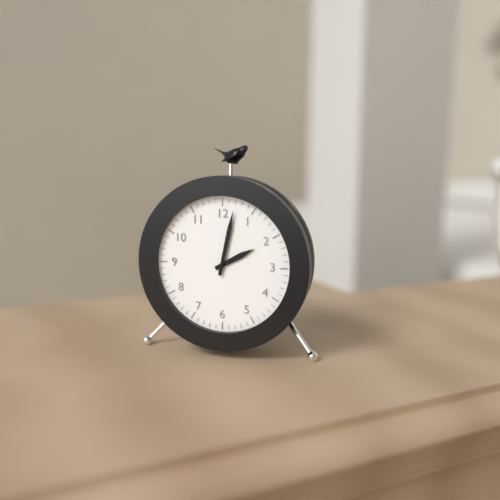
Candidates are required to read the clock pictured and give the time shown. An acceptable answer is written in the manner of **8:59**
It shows **2:02**
